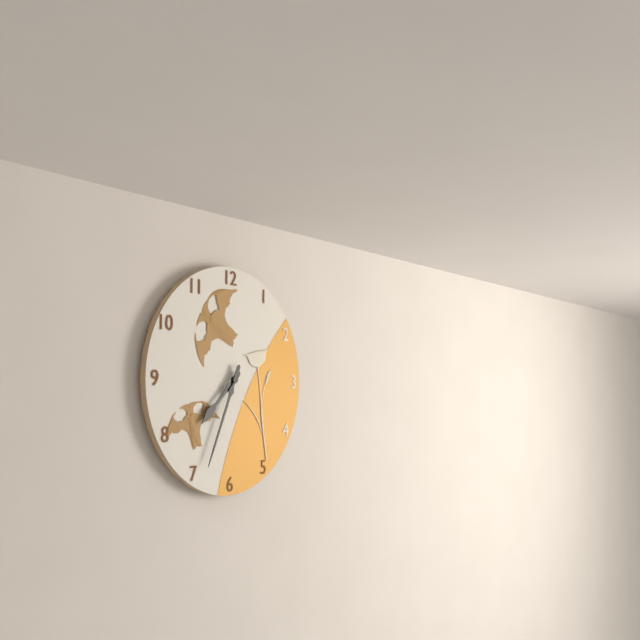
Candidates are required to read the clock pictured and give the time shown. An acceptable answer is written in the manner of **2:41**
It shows **7:34**
